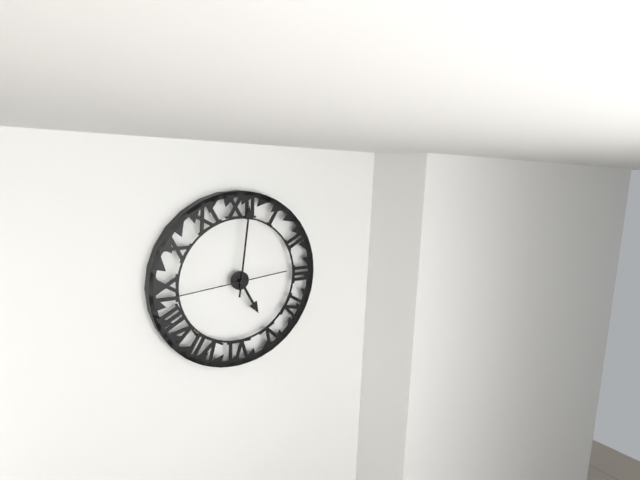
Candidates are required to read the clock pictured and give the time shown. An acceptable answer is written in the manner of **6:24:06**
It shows **5:01:44**
